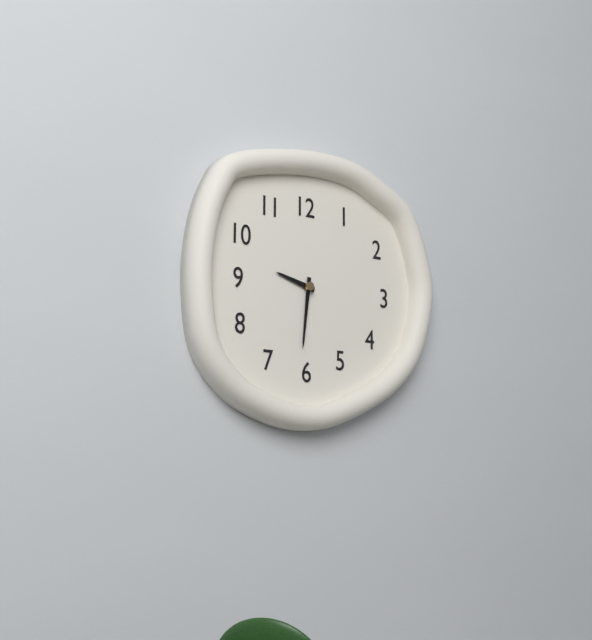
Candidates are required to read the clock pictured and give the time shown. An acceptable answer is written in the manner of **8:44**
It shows **9:31**
